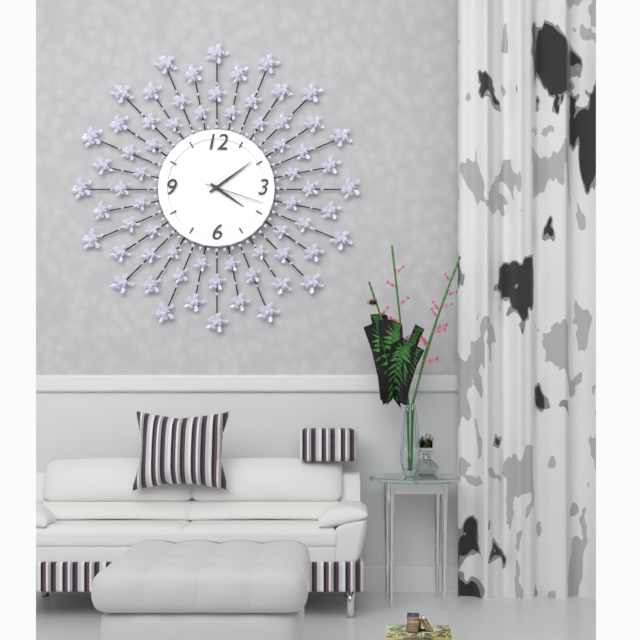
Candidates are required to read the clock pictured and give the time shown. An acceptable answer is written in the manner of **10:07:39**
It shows **4:09:18**
